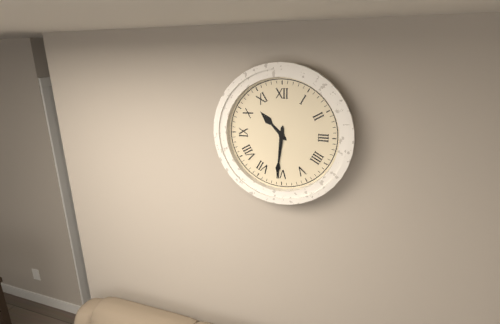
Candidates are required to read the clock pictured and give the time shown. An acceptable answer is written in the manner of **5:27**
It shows **10:31**
